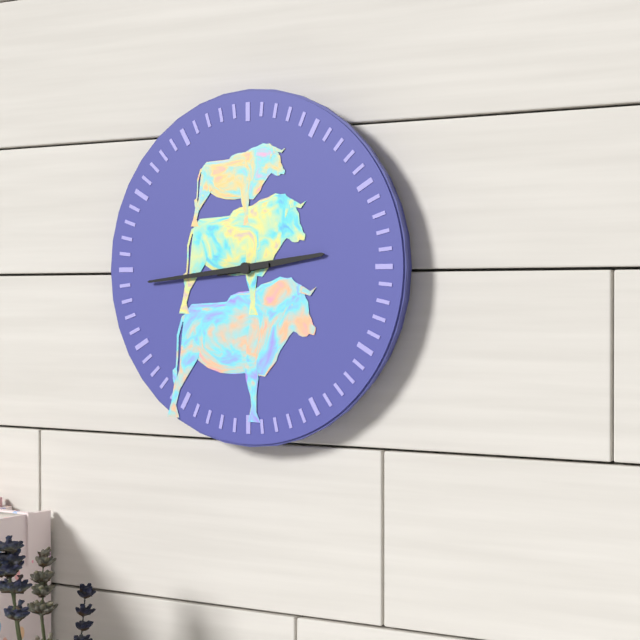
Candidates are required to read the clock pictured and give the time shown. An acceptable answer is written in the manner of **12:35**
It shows **2:44**
